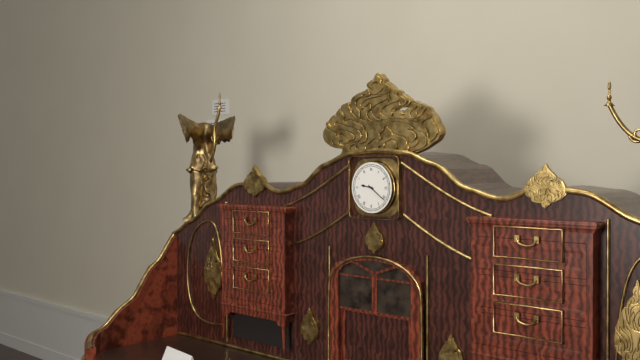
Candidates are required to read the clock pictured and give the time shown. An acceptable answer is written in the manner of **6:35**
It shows **9:21**
